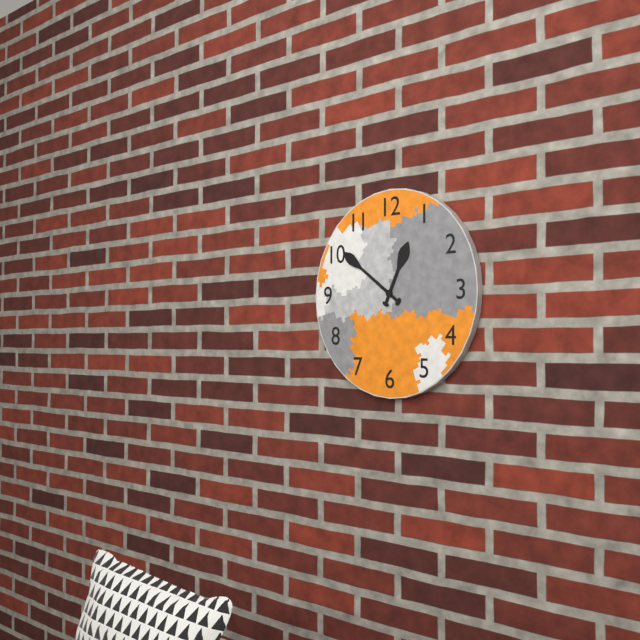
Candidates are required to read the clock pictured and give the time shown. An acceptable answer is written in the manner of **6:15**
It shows **12:51**
